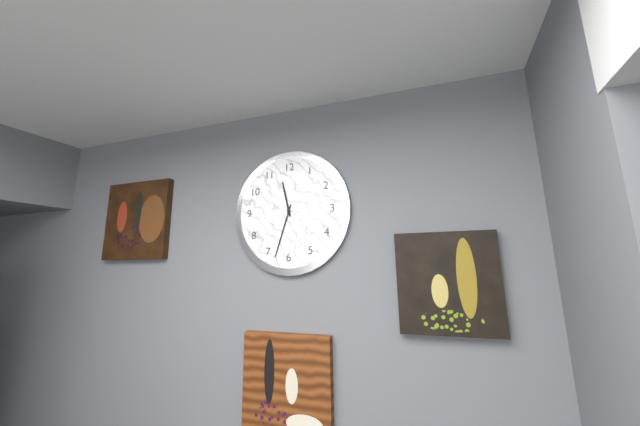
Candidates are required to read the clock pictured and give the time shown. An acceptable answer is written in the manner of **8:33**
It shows **11:33**
